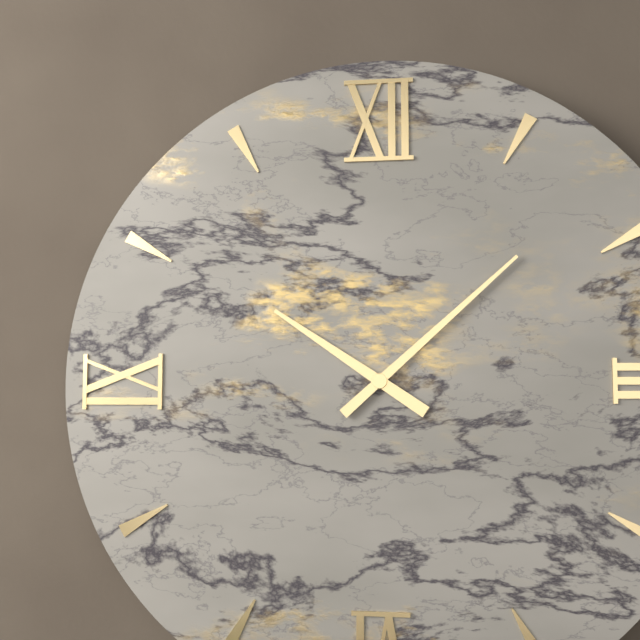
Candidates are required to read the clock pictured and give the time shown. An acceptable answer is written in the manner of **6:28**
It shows **10:08**
